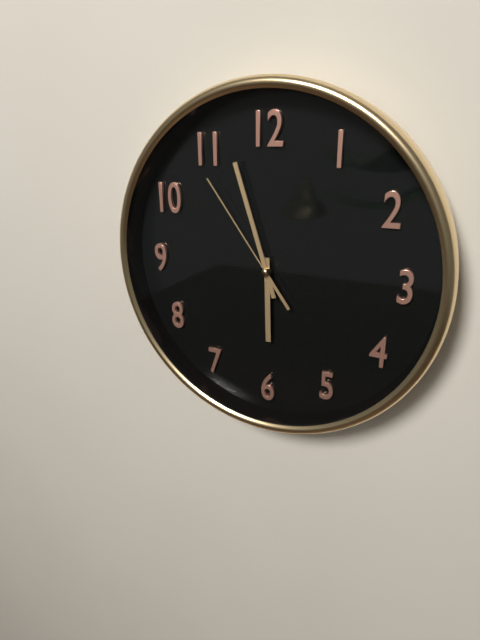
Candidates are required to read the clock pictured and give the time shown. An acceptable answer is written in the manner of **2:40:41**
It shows **5:57:54**
